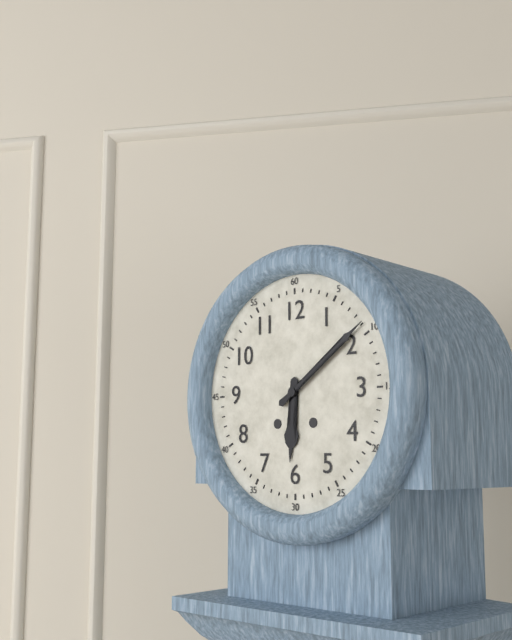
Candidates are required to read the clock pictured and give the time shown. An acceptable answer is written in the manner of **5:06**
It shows **6:09**
